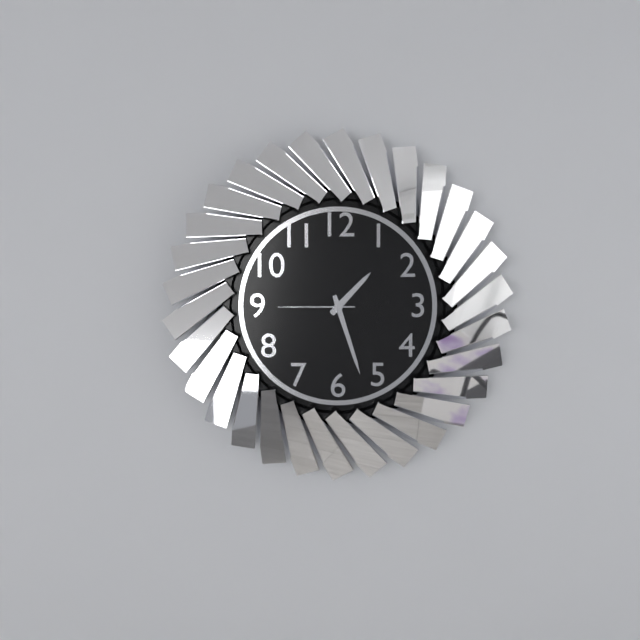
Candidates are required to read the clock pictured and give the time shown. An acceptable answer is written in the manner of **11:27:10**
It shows **1:27:45**
